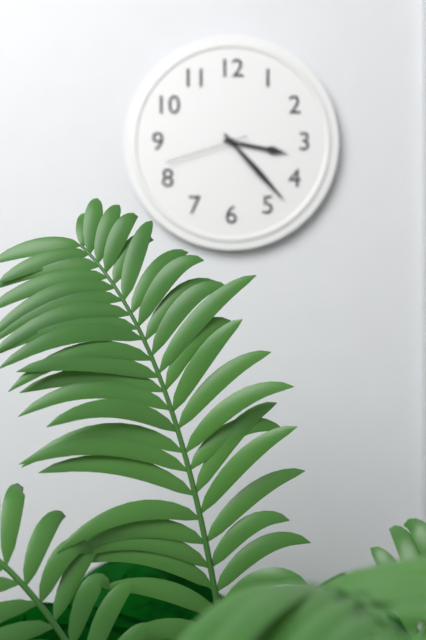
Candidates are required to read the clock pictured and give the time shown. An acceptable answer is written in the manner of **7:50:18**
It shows **3:23:42**
